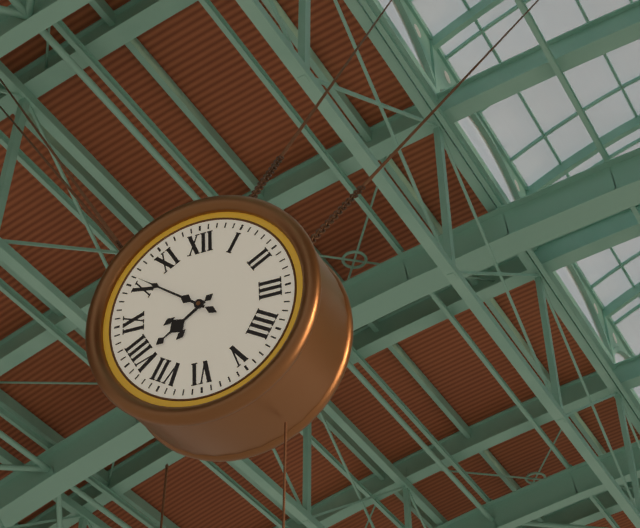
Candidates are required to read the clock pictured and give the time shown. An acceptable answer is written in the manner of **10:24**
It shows **7:51**
